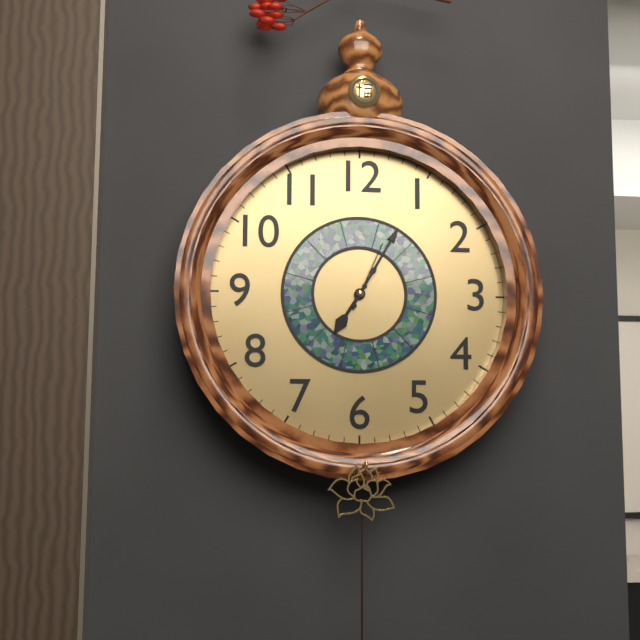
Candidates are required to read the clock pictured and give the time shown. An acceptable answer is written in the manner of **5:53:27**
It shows **7:05:04**
